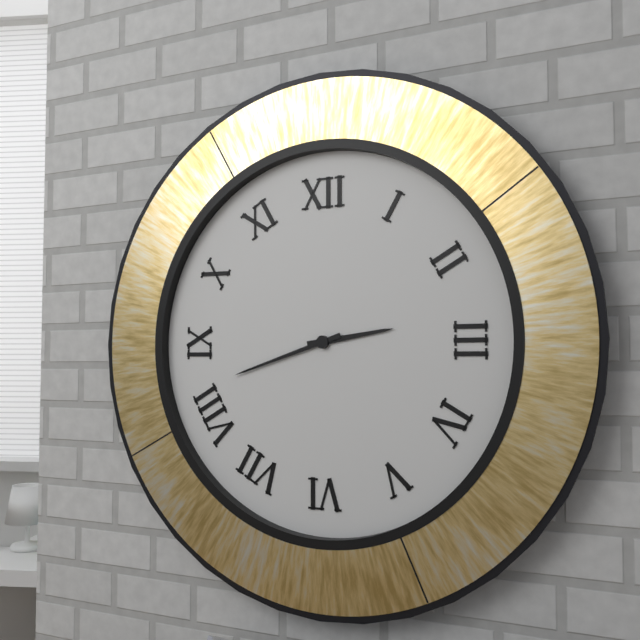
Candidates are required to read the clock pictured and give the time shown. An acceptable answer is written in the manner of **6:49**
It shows **2:42**
